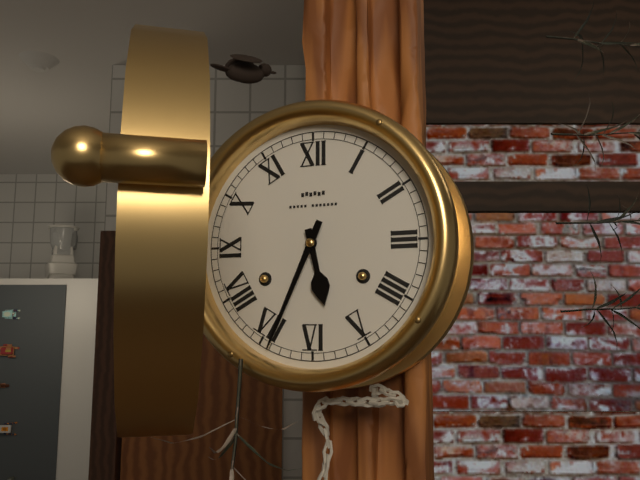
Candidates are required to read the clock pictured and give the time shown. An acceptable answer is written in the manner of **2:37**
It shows **5:34**
